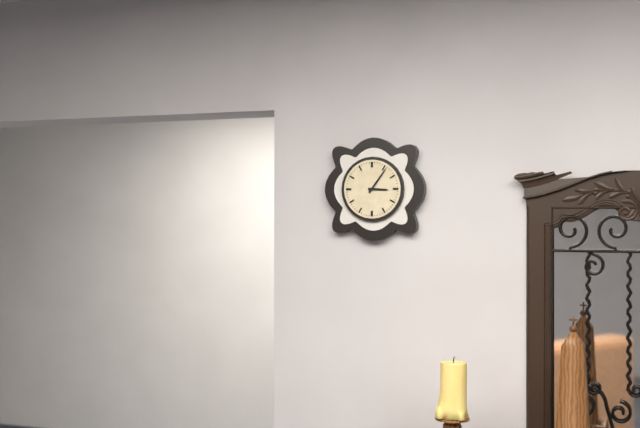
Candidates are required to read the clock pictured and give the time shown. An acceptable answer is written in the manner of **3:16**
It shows **3:06**
